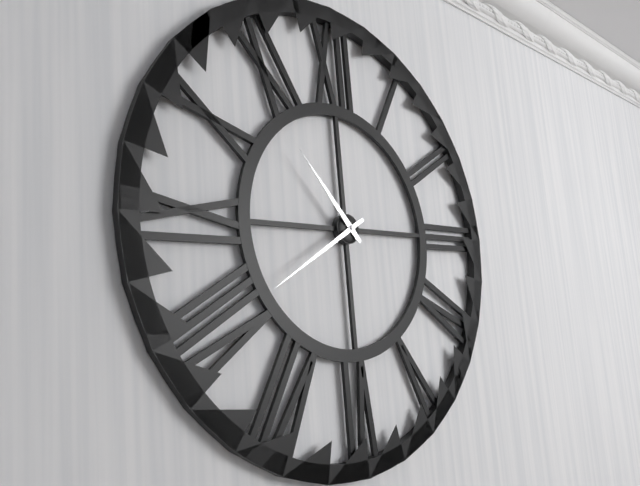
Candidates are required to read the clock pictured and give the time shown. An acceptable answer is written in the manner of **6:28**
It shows **10:40**
